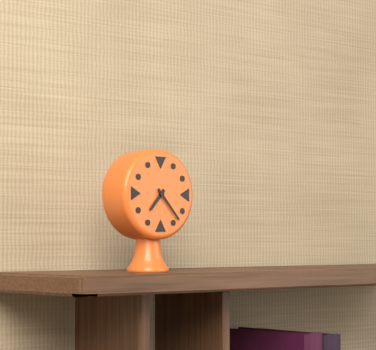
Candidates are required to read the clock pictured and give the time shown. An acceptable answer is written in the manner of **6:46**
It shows **7:23**
